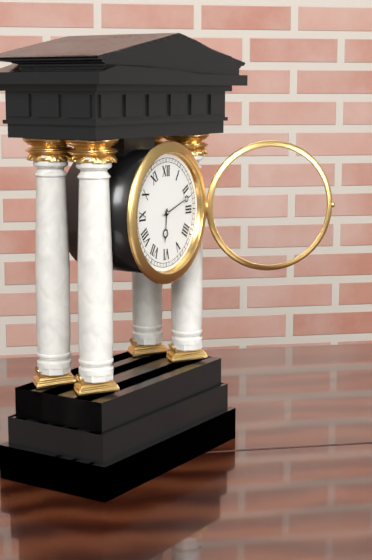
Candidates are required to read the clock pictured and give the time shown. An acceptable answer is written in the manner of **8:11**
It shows **6:12**
